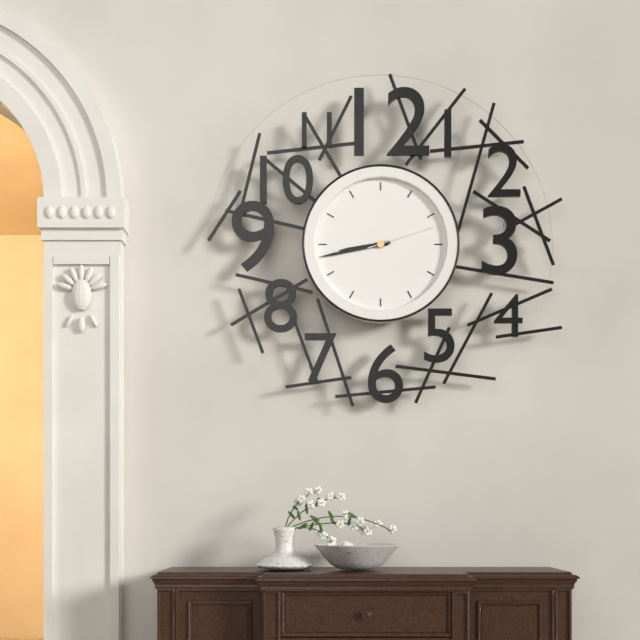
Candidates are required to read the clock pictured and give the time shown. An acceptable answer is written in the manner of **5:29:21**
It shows **8:43:12**
